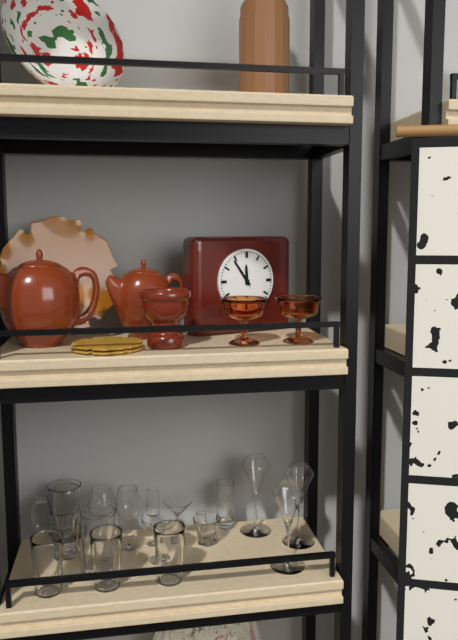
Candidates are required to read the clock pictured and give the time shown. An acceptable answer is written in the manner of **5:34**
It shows **11:54**
